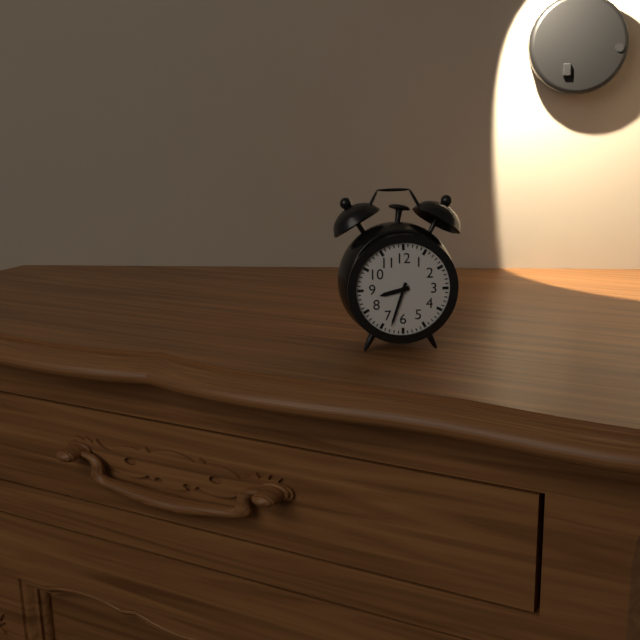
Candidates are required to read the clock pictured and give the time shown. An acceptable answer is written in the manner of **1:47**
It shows **8:33**
